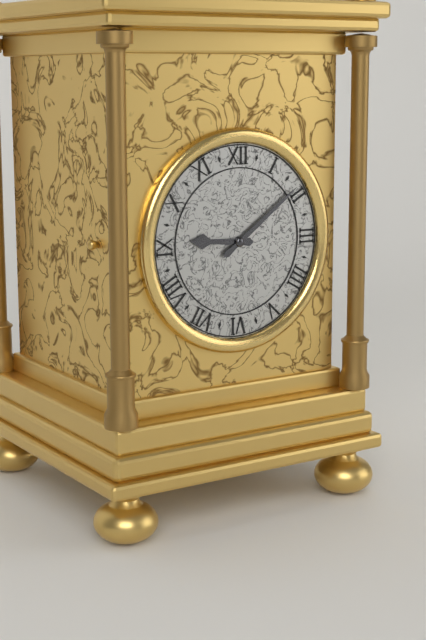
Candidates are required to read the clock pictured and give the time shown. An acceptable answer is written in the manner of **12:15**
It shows **9:09**
